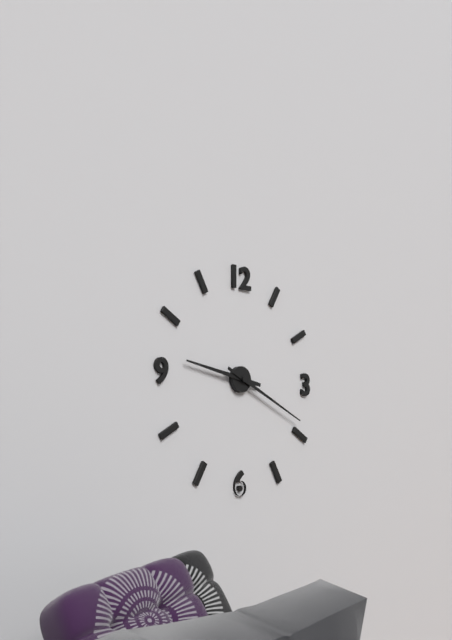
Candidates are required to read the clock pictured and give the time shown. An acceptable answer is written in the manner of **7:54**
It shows **9:19**
